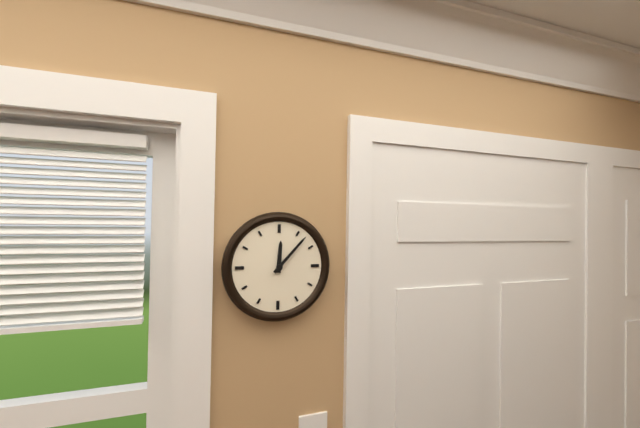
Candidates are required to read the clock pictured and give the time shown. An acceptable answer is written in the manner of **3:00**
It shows **12:07**
